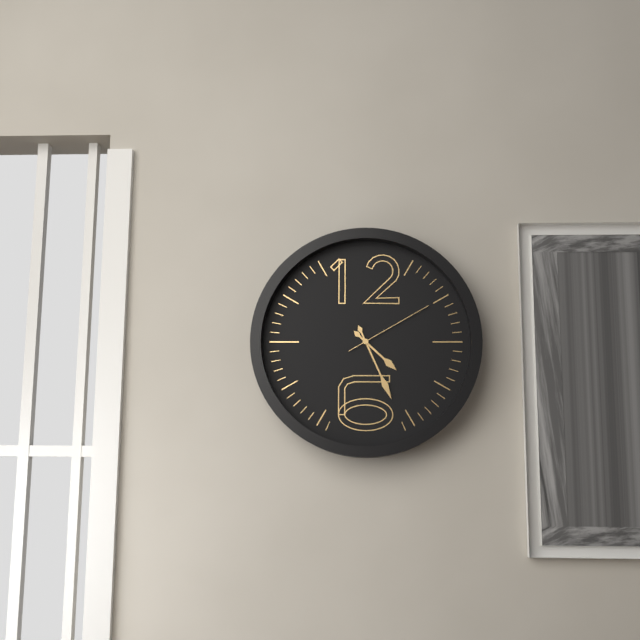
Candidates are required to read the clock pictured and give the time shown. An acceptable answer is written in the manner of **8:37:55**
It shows **4:26:10**
